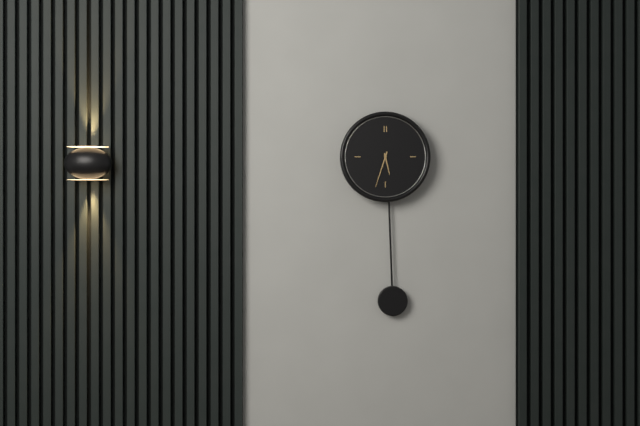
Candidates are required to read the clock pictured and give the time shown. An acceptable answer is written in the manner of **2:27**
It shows **5:33**
